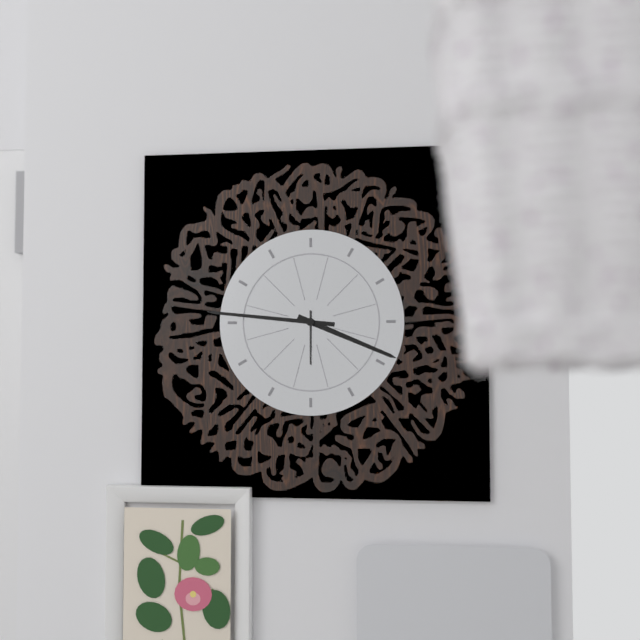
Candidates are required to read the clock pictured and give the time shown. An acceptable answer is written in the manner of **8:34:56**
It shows **3:46:30**
